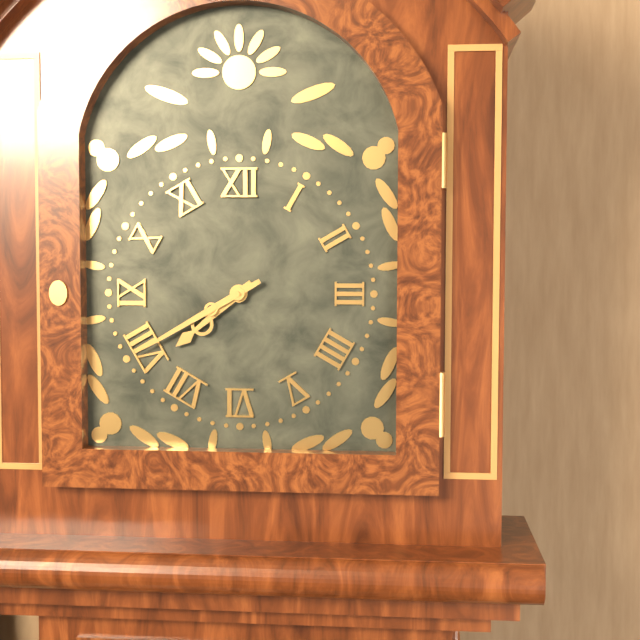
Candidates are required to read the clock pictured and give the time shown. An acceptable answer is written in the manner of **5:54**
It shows **7:40**
